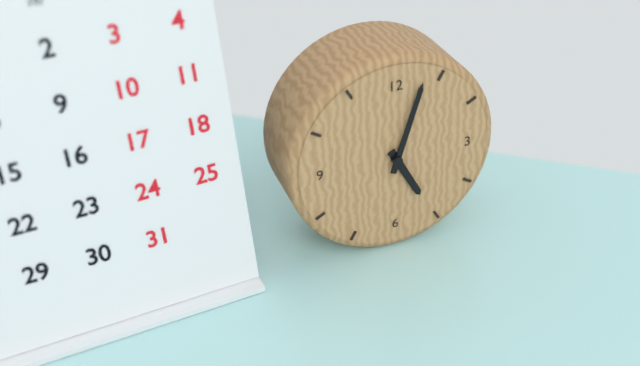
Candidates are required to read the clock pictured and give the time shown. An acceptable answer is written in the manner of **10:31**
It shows **5:03**
